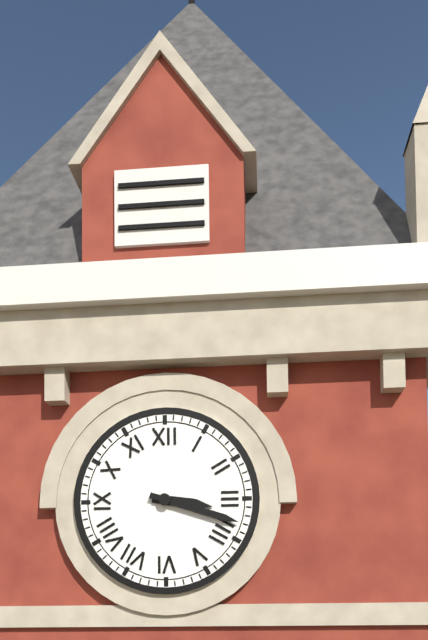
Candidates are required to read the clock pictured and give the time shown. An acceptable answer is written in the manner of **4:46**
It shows **3:18**
